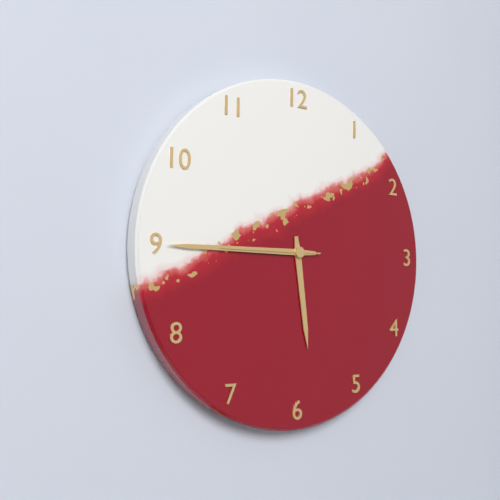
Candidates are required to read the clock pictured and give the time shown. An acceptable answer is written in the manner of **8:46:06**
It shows **5:45:45**
